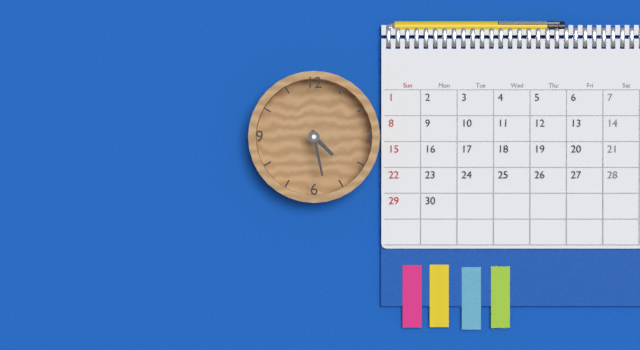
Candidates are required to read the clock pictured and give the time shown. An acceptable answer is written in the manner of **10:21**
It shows **4:28**
